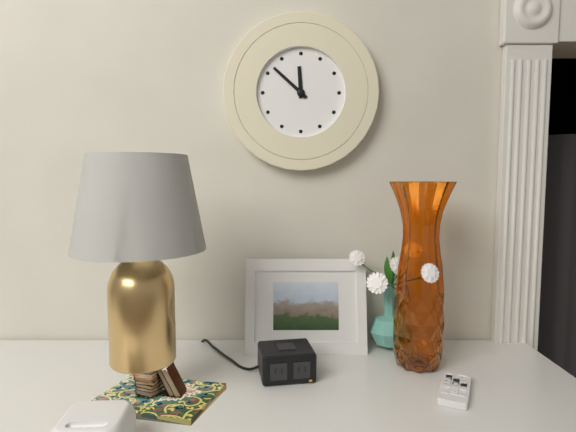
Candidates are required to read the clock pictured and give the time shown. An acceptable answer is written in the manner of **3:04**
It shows **11:52**
